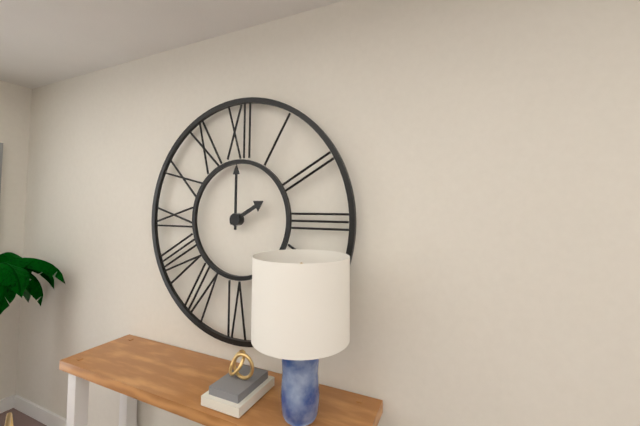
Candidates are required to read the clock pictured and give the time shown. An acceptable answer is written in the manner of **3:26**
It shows **2:00**
